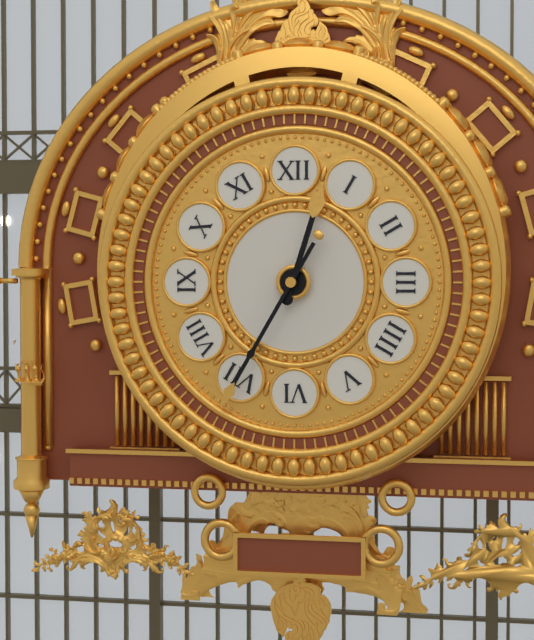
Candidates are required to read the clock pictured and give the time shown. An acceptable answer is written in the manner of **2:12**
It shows **12:35**
